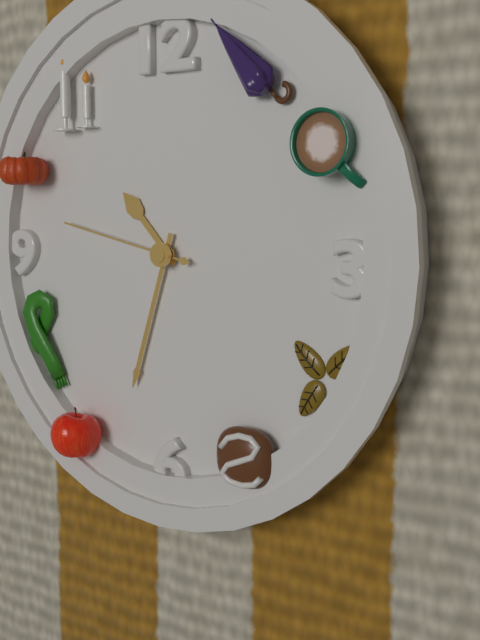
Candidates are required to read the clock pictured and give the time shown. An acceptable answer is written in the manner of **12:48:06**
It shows **10:33:47**
